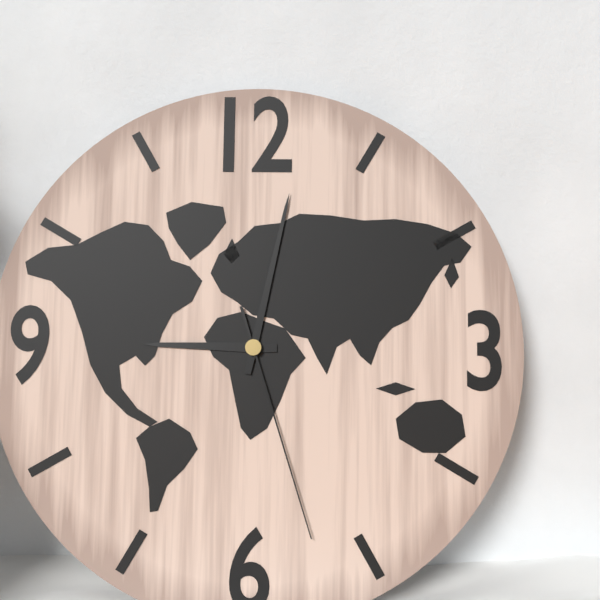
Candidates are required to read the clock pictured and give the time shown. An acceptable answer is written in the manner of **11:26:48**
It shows **9:02:27**
